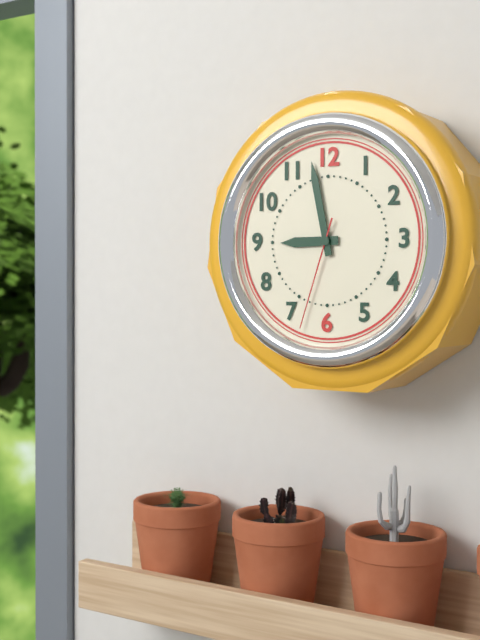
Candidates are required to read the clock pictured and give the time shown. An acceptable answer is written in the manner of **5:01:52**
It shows **8:58:33**
